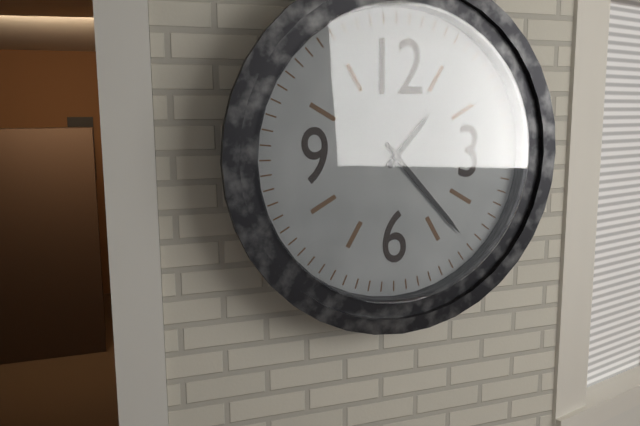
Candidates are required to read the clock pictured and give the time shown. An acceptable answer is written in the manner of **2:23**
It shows **1:23**
